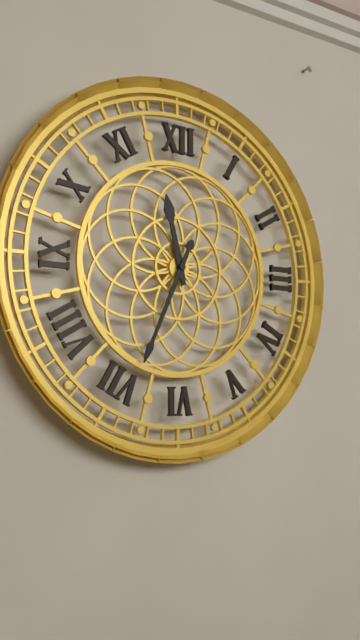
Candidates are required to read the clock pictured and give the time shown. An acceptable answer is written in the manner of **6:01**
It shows **11:34**
